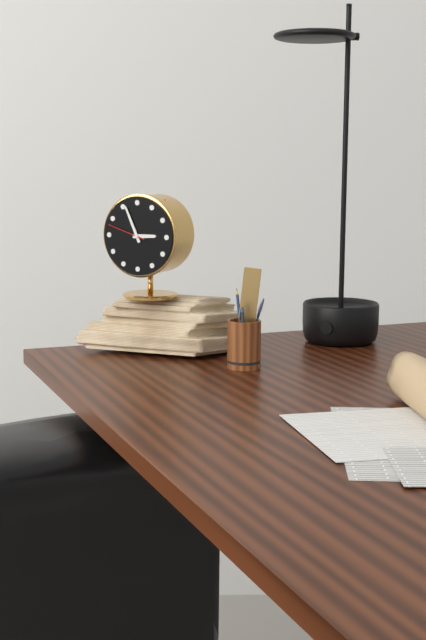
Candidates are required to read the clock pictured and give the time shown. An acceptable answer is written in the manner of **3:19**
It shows **2:56**
